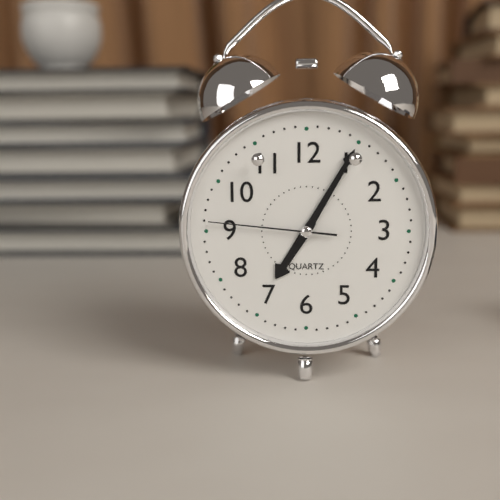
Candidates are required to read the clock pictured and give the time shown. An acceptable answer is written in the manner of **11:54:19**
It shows **7:05:46**
